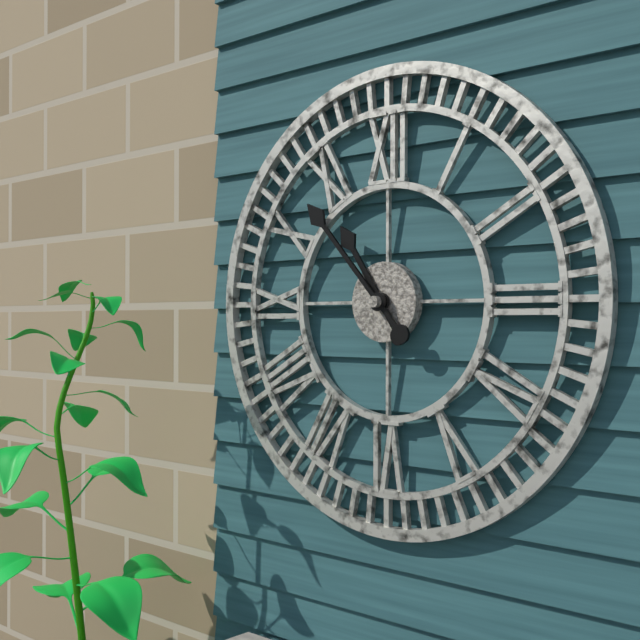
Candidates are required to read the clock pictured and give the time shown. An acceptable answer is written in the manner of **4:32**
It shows **10:53**
